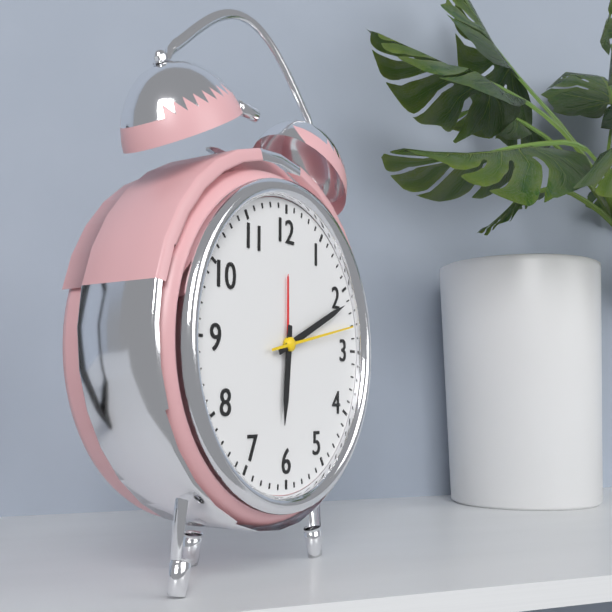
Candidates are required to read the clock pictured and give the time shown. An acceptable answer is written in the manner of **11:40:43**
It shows **6:11:13**
